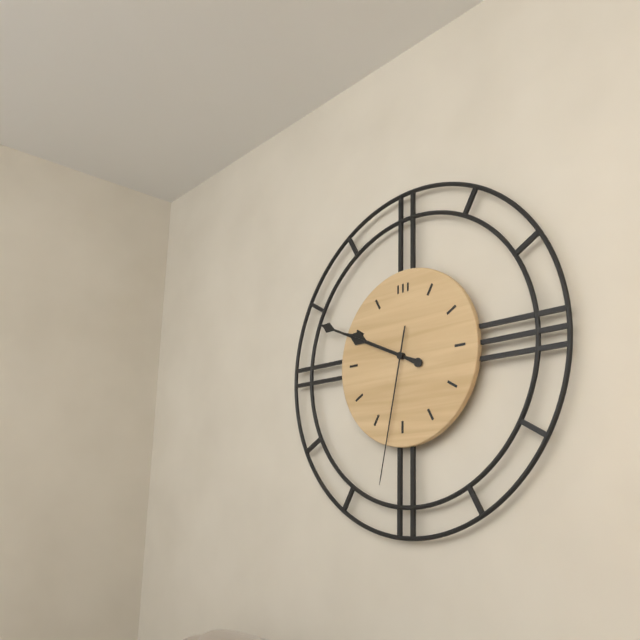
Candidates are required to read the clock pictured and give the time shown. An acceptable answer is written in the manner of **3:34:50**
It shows **9:49:32**
